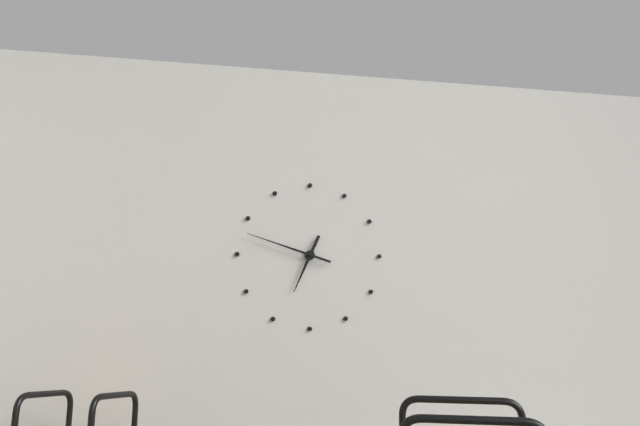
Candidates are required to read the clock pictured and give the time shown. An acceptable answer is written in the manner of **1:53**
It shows **6:48**
